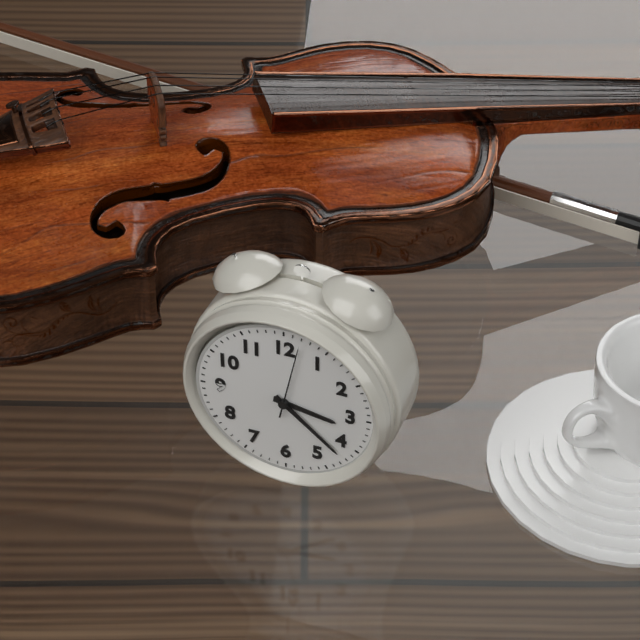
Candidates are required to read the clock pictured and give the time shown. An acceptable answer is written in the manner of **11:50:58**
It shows **3:22:02**
